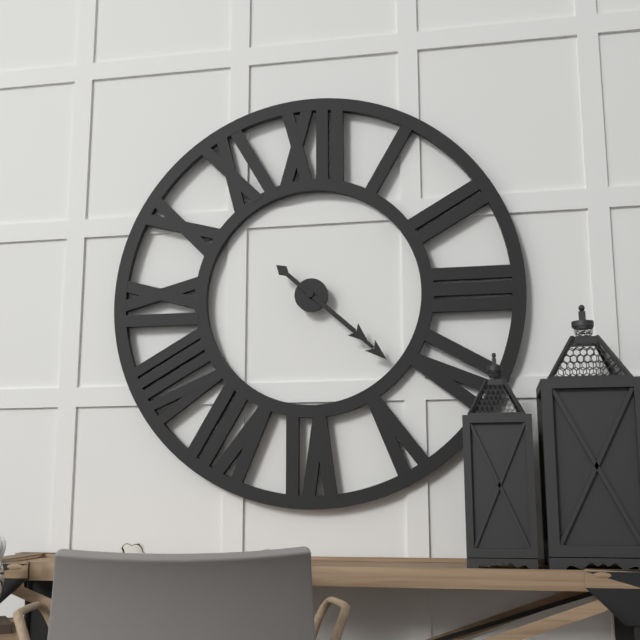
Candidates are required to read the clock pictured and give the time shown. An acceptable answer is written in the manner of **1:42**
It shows **4:22**
